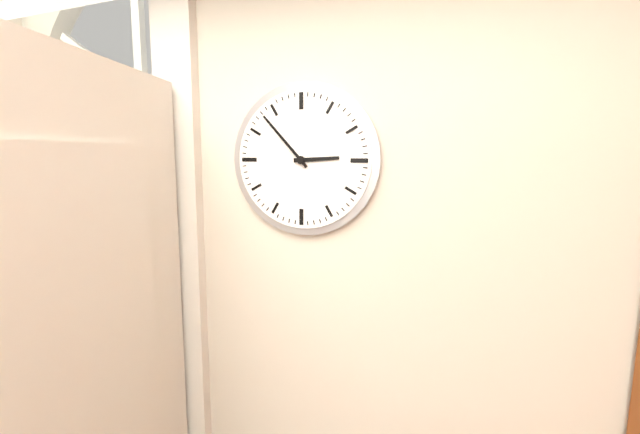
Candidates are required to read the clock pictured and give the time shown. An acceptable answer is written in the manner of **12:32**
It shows **2:53**
